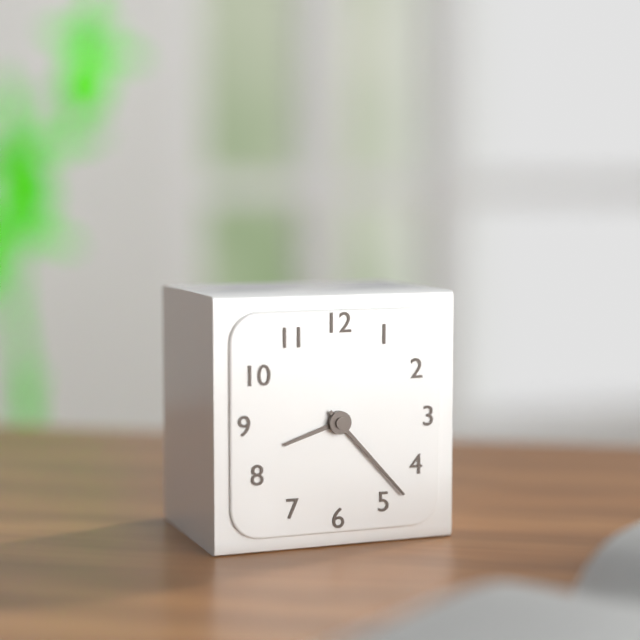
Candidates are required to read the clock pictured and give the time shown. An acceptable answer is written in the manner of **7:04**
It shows **8:23**
